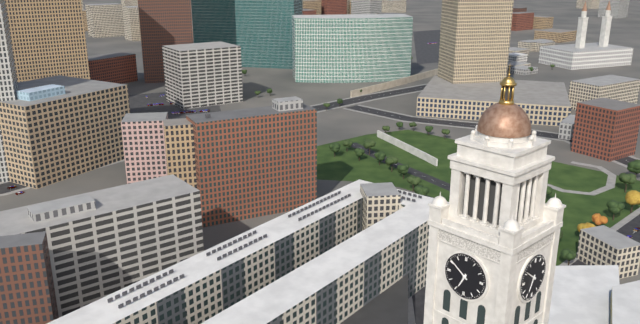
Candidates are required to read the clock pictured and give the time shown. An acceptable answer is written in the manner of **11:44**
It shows **6:51**
